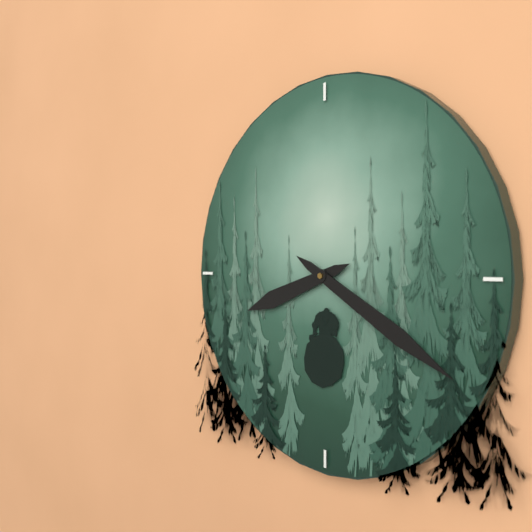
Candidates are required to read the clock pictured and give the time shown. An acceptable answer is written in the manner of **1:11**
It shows **8:20**
